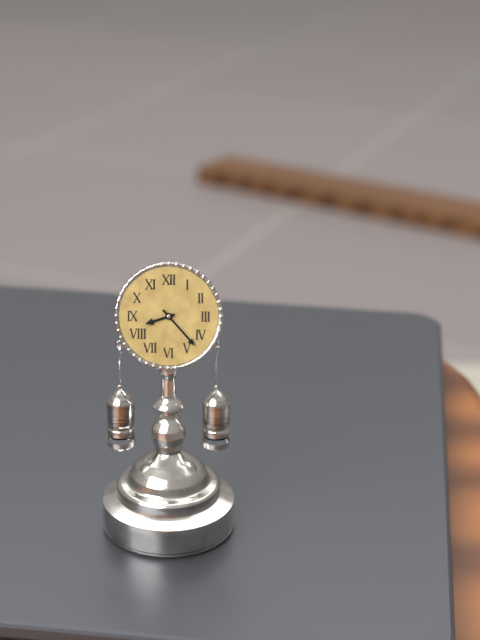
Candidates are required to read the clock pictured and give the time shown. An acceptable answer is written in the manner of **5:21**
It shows **8:23**
